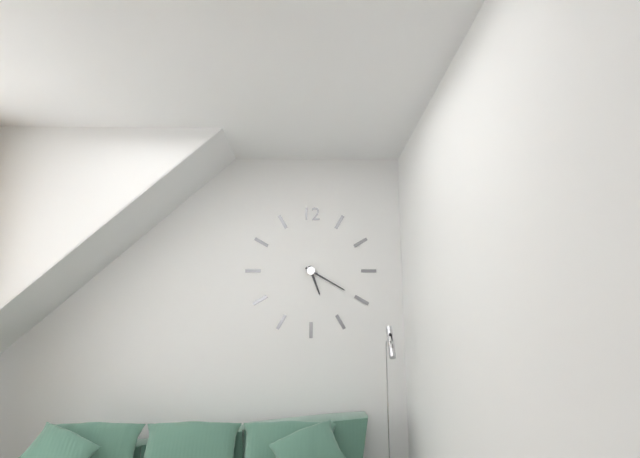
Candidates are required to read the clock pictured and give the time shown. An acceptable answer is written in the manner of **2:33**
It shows **5:20**
